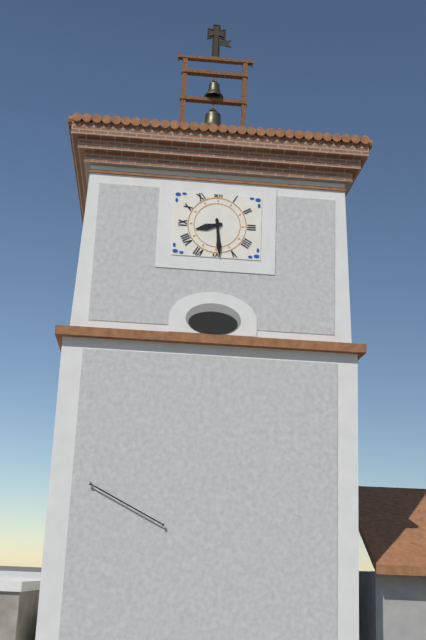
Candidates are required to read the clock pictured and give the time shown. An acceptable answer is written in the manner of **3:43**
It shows **8:29**
